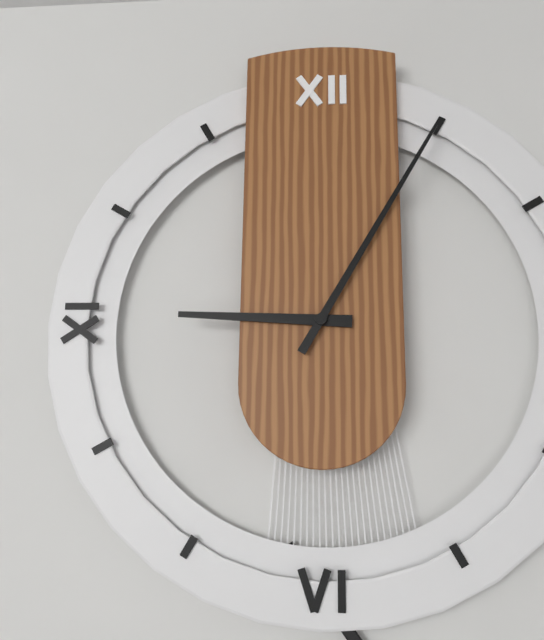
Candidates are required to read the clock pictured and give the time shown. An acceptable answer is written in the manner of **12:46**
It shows **9:05**
